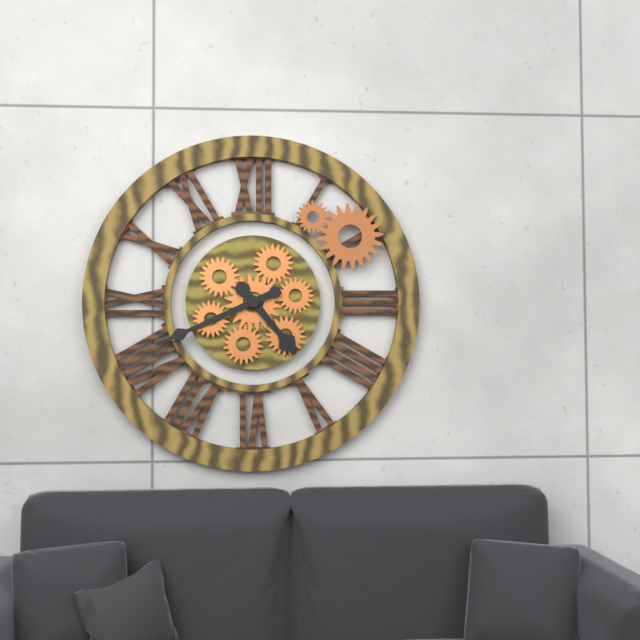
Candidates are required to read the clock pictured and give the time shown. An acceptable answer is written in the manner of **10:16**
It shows **4:41**
